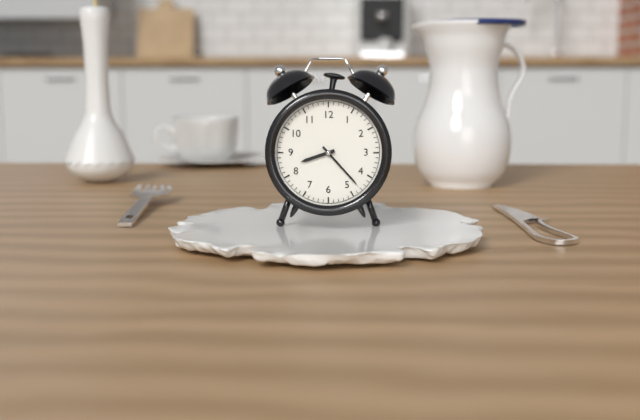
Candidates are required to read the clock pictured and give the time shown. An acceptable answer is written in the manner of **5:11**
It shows **8:23**
